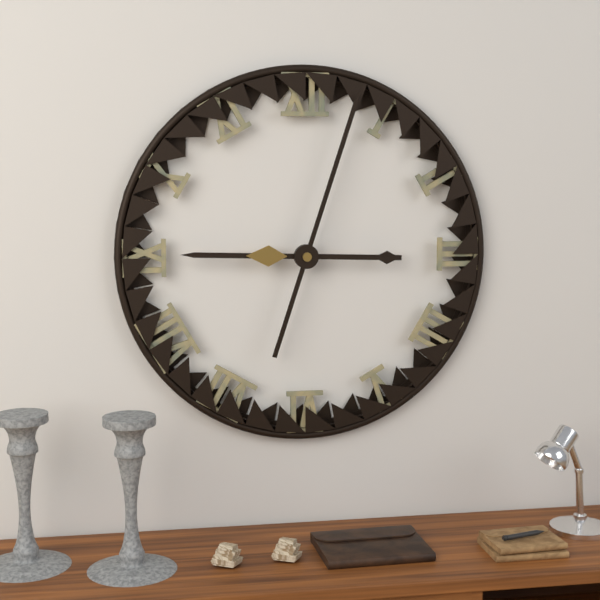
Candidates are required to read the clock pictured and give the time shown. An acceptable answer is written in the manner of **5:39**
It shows **9:03**
